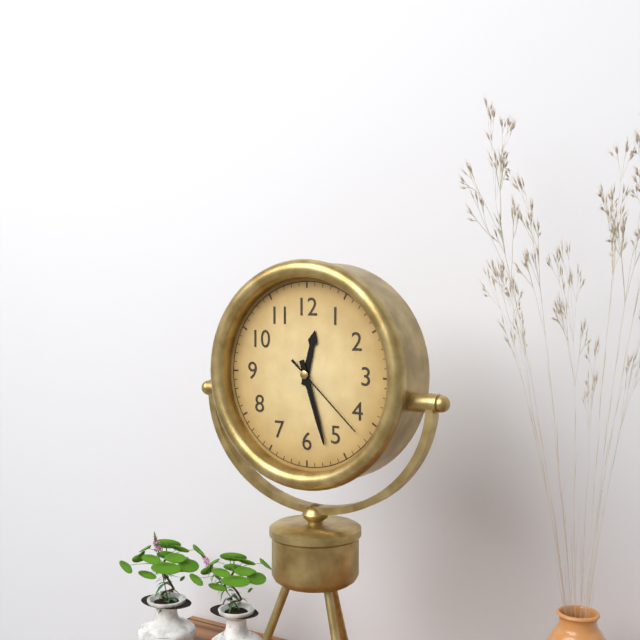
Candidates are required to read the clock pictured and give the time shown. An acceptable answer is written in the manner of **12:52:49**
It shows **12:27:22**
